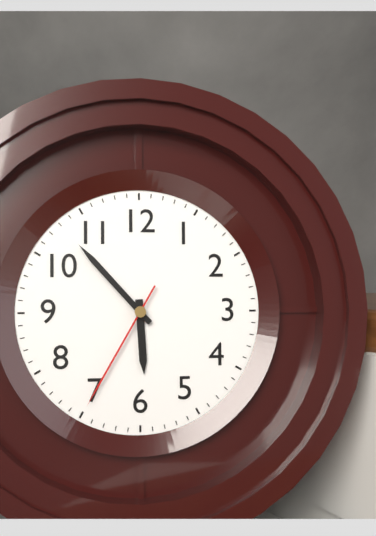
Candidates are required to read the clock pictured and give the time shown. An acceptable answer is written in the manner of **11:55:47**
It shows **5:53:35**
